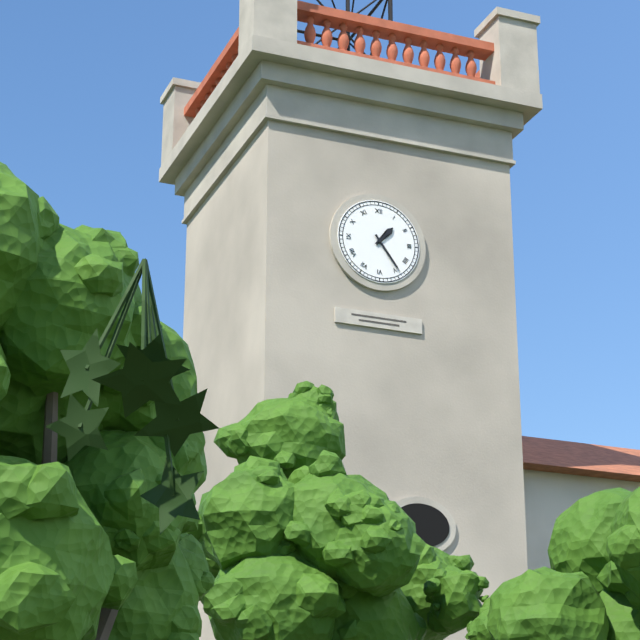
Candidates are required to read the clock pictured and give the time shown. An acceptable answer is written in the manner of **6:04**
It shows **1:24**
